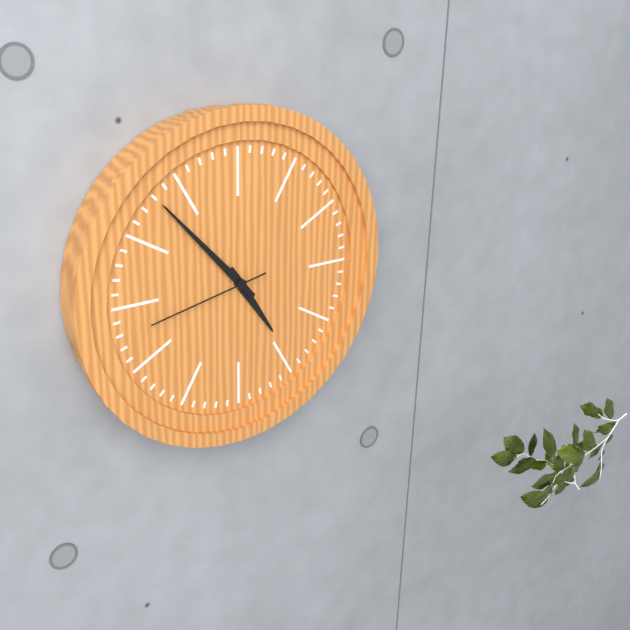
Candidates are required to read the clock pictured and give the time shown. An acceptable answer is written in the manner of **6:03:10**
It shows **4:53:43**
